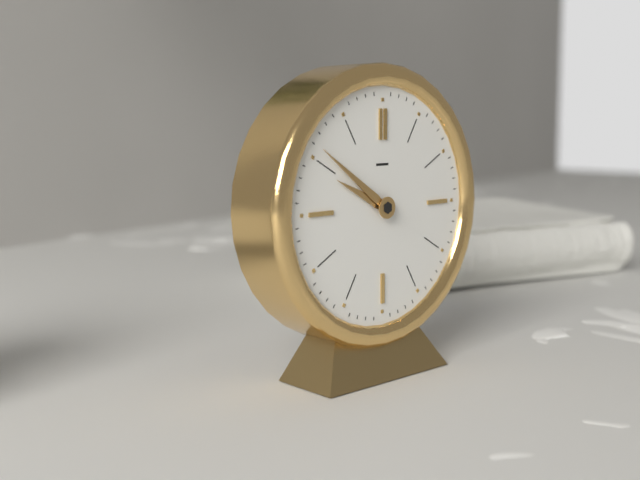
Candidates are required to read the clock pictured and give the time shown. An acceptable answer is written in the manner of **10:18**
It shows **9:51**
